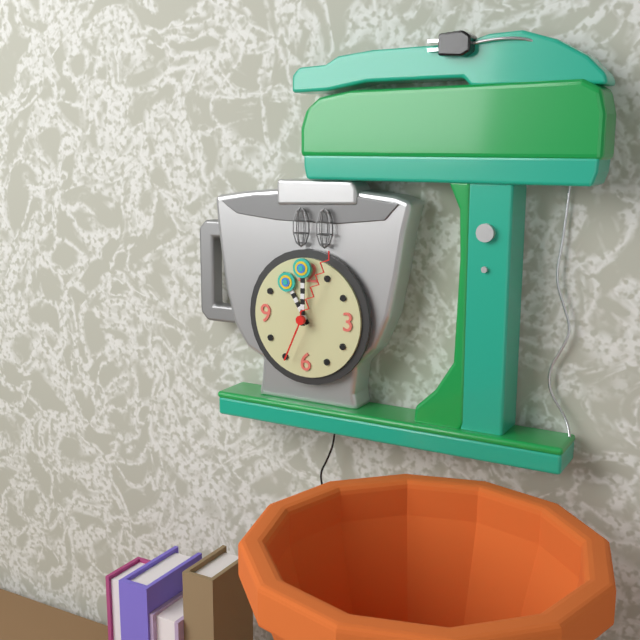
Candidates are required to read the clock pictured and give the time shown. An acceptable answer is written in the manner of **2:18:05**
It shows **11:00:04**
